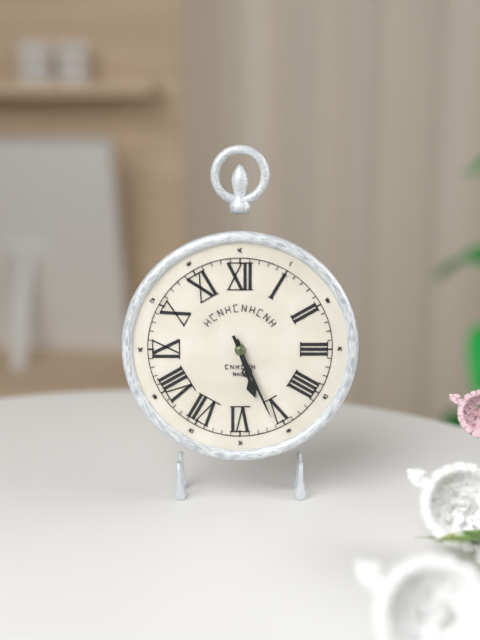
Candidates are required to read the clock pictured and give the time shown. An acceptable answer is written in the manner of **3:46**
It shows **5:26**
